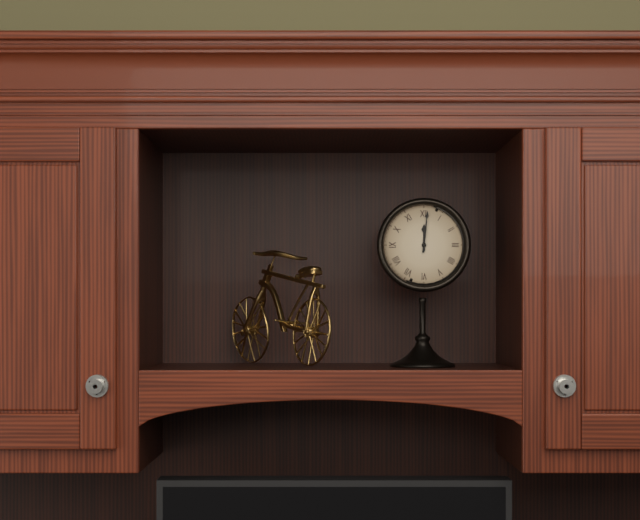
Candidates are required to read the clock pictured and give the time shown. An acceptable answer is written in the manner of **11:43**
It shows **12:01**
